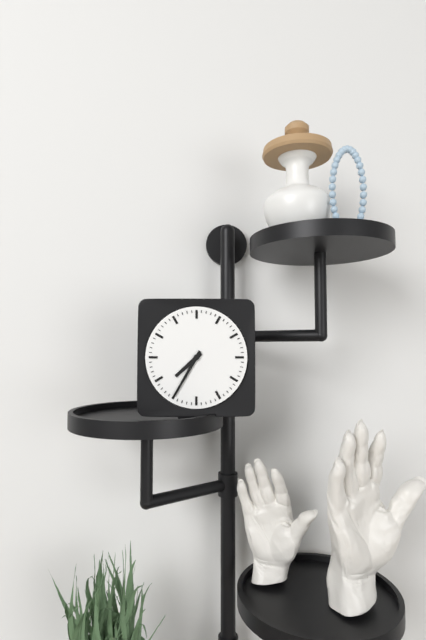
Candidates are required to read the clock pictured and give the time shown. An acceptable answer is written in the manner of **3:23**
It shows **7:35**
